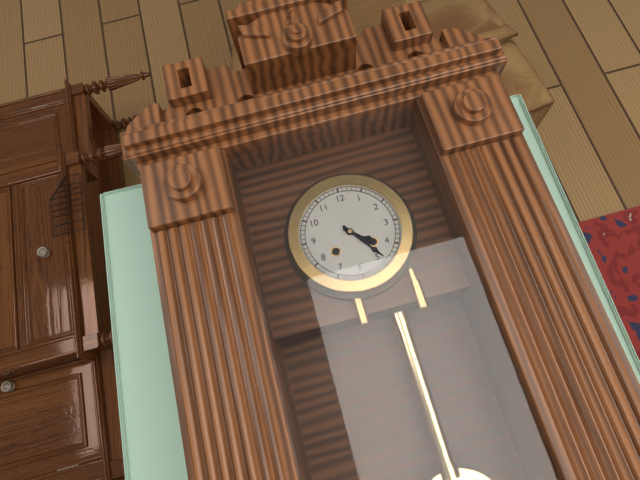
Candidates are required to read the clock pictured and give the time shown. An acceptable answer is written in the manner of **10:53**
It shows **4:24**
